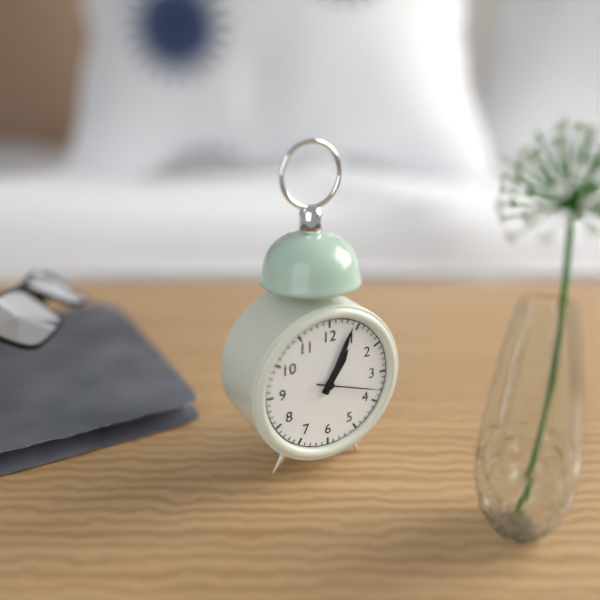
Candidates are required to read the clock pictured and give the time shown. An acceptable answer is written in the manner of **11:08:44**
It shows **1:04:18**
